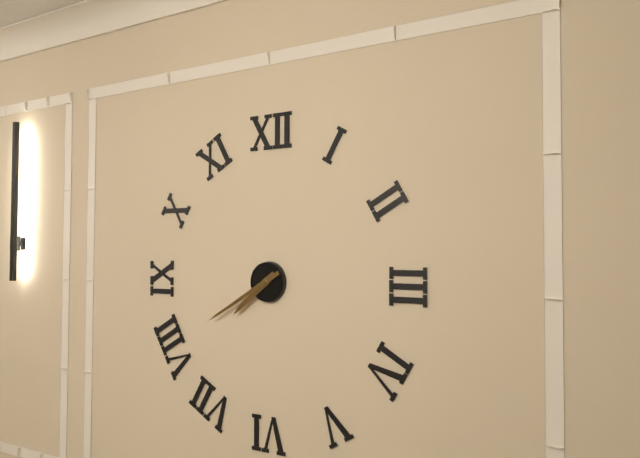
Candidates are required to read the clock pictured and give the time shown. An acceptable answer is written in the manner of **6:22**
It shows **7:40**
